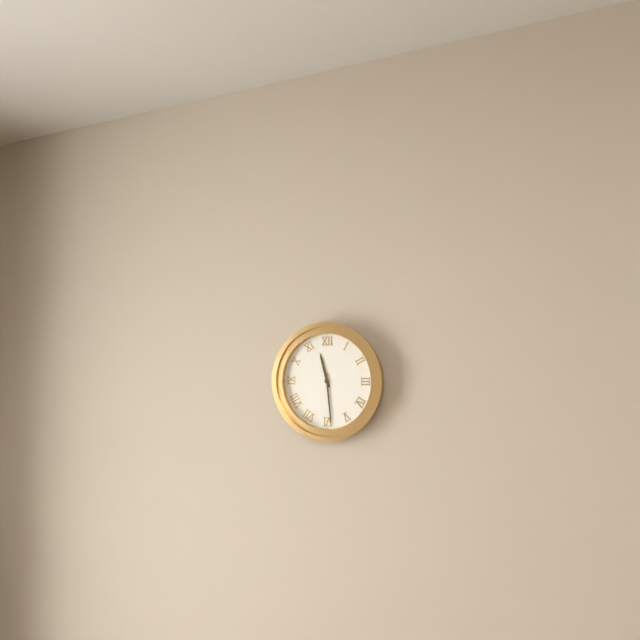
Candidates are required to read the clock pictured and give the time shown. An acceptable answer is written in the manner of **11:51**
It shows **11:29**
